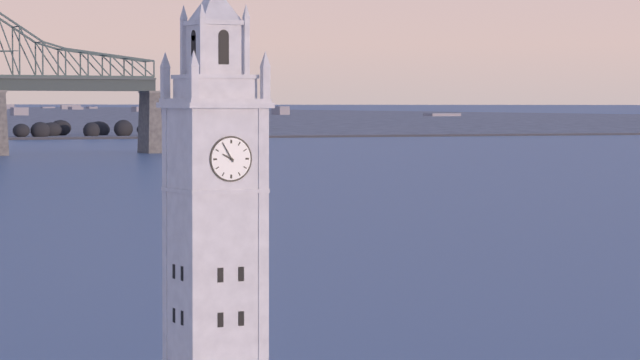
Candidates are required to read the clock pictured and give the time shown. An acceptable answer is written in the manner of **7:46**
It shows **9:55**
